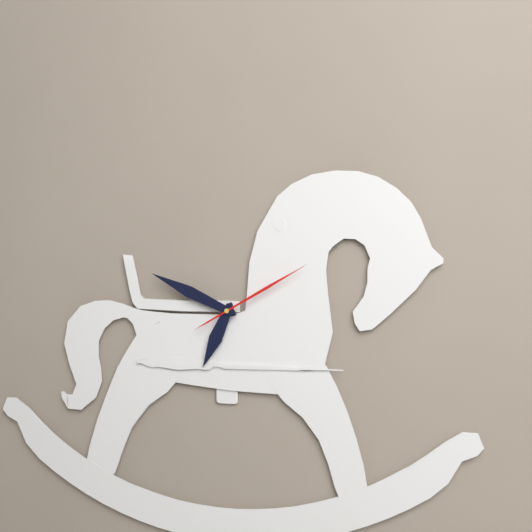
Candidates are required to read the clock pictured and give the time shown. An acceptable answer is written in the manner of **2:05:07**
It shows **6:49:10**
